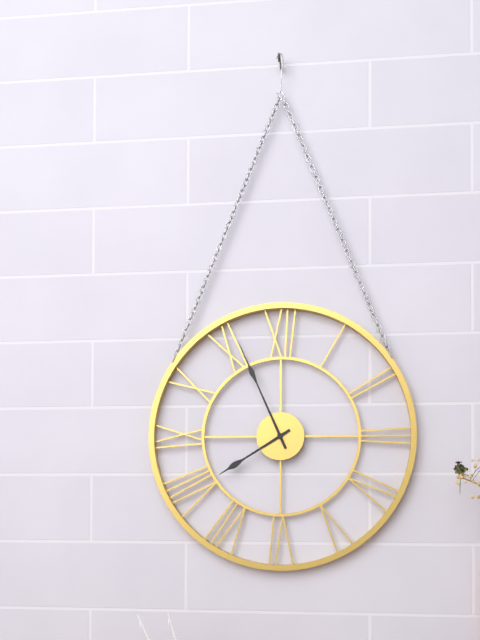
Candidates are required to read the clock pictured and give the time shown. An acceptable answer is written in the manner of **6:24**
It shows **7:56**
